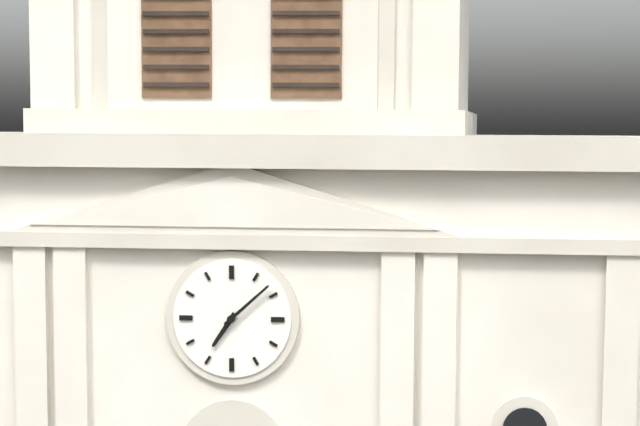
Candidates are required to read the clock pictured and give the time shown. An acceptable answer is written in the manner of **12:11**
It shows **7:08**
